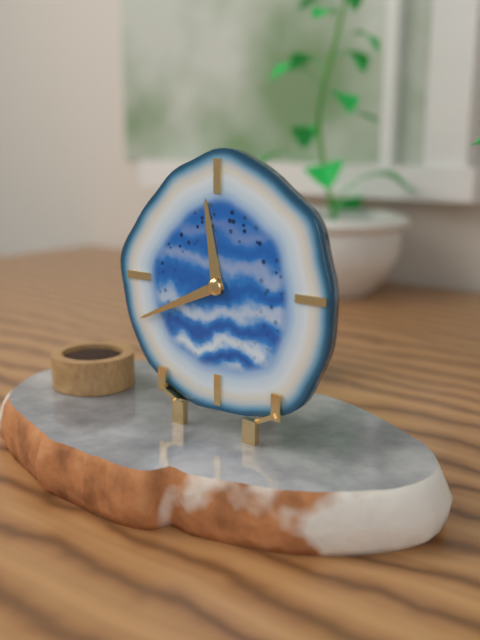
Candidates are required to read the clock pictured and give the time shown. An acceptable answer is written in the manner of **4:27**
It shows **11:41**
